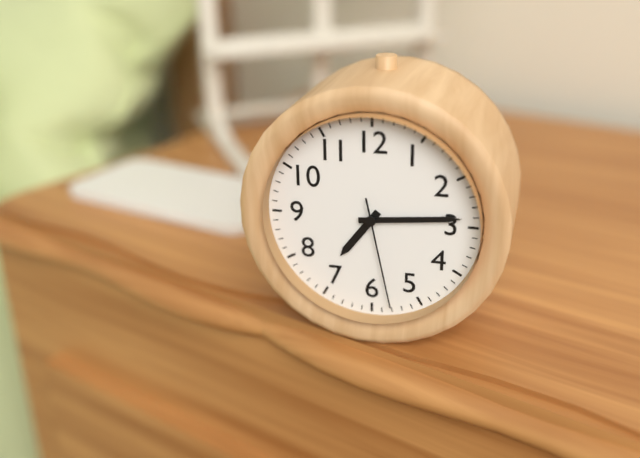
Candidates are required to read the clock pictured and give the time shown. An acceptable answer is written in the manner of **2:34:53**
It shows **7:14:28**
